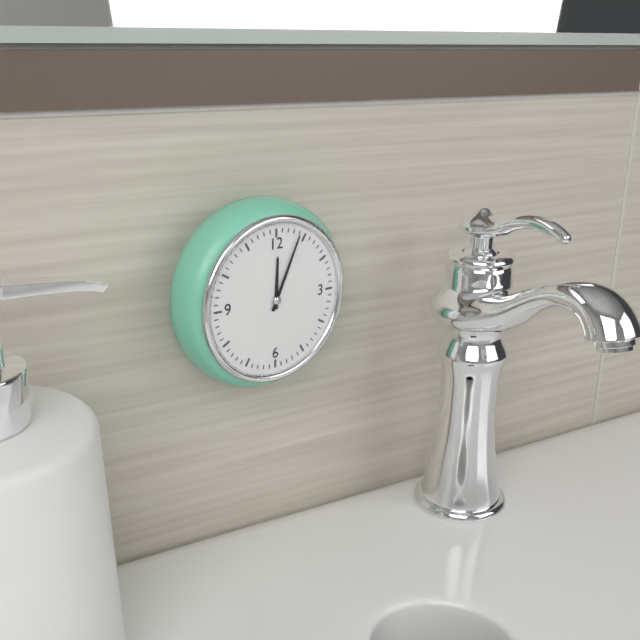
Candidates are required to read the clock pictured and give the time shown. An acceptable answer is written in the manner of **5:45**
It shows **12:04**
